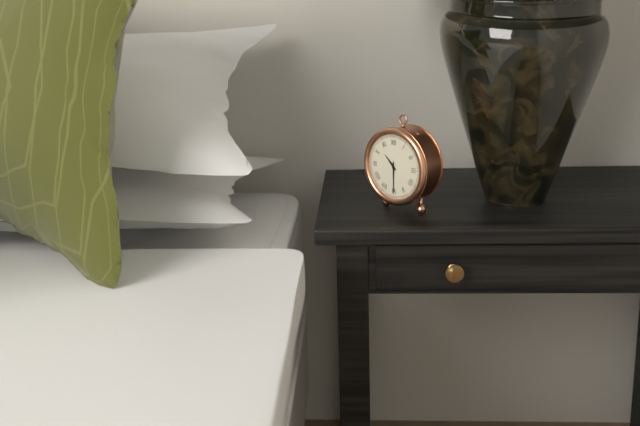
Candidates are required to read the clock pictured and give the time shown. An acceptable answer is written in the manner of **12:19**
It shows **10:30**
